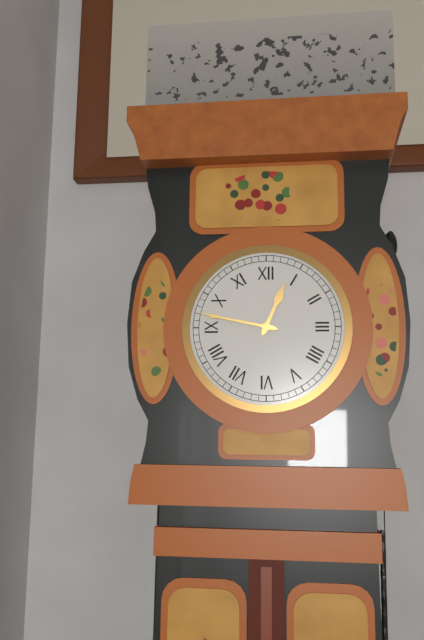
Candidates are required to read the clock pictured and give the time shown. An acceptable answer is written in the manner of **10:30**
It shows **12:47**
